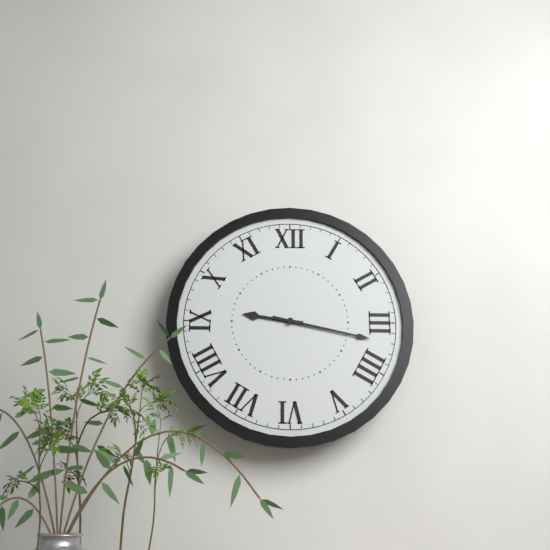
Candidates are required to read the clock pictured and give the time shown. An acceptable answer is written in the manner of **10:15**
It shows **9:17**
